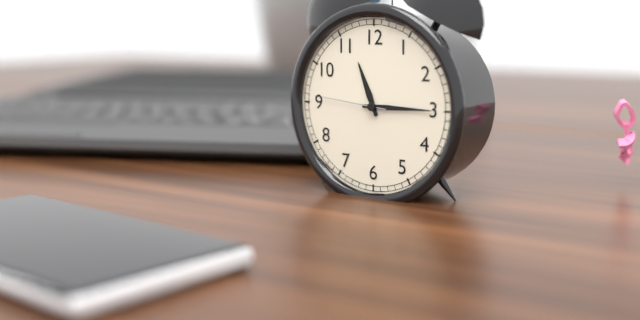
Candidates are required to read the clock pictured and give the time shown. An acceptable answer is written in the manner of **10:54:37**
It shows **11:15:46**
